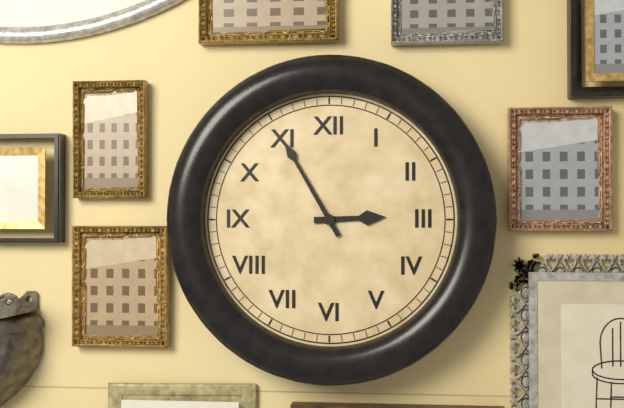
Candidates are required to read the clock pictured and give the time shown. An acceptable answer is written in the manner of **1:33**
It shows **2:55**
